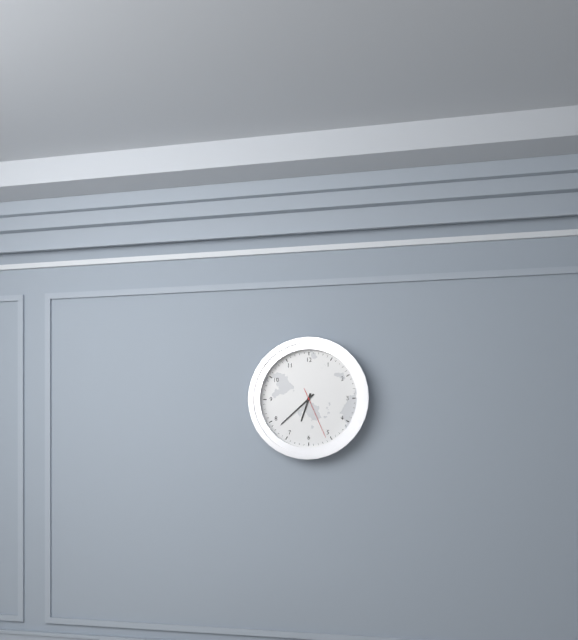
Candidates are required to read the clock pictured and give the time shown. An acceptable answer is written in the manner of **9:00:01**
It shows **6:38:26**
